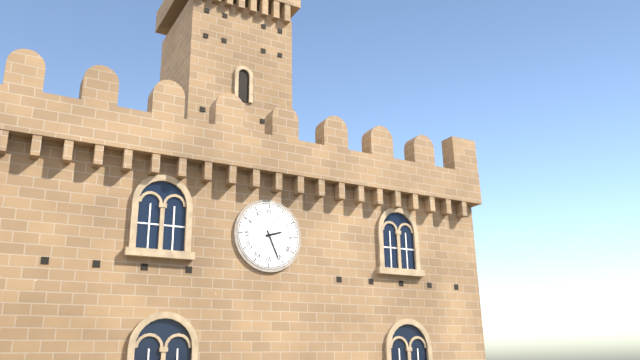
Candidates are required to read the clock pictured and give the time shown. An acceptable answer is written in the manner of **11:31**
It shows **2:26**
